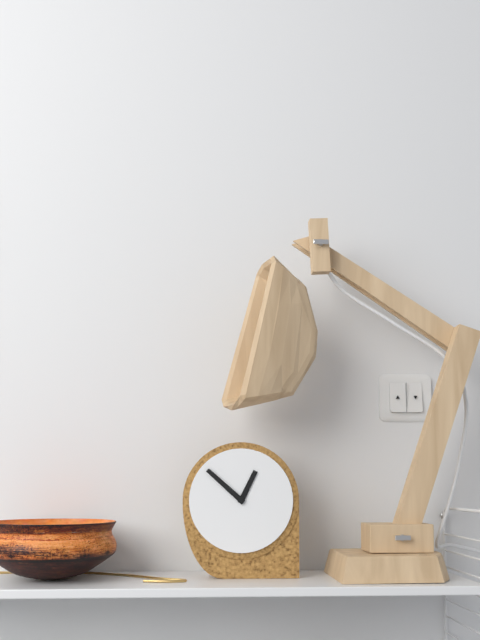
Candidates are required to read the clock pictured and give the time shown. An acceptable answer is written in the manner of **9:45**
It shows **12:52**
